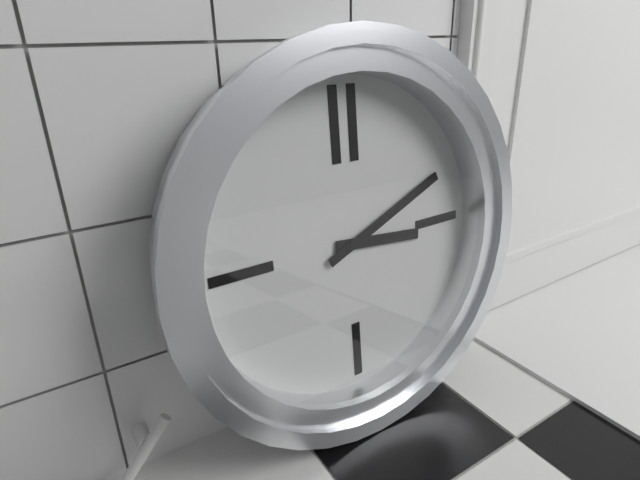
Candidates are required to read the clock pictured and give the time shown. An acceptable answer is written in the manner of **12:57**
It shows **3:11**
